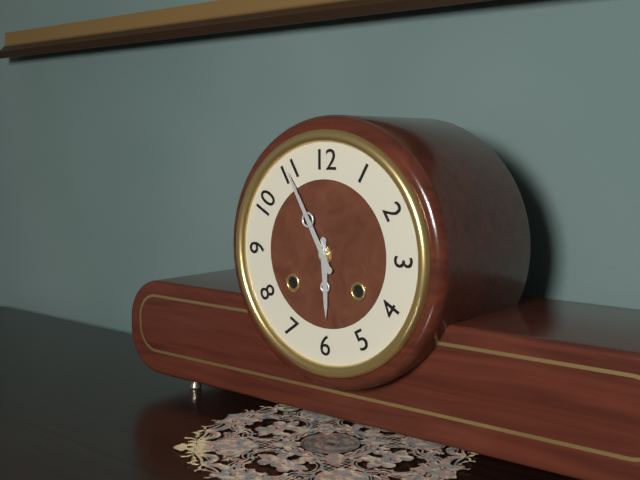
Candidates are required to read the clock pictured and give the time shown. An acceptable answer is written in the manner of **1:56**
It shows **5:55**
